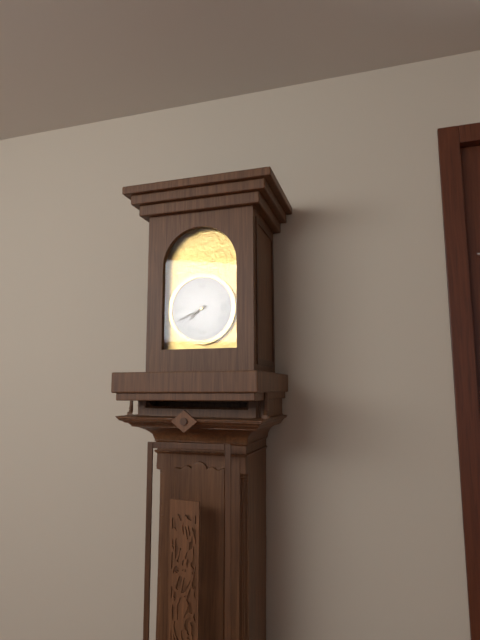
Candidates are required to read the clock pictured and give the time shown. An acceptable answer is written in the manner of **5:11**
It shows **7:41**
